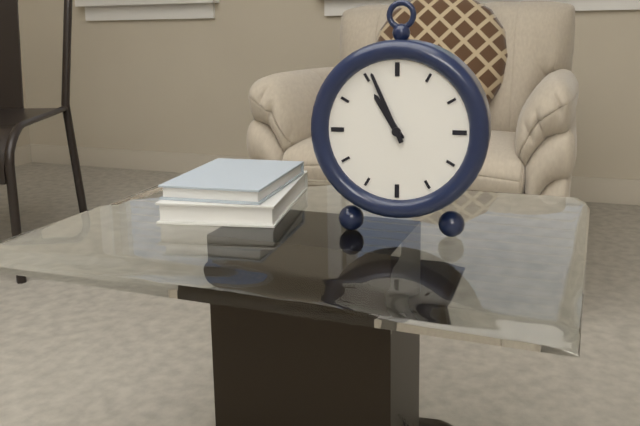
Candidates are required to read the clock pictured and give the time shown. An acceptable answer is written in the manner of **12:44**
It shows **10:56**
